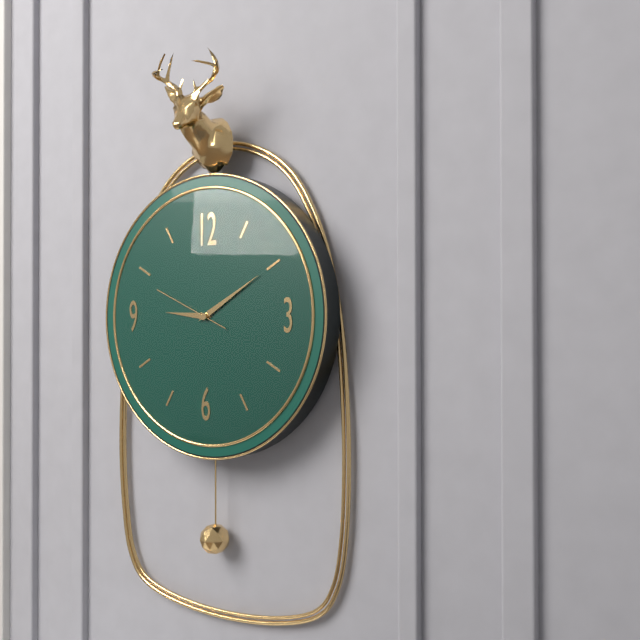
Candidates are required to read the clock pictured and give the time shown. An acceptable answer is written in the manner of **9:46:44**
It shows **9:10:49**
